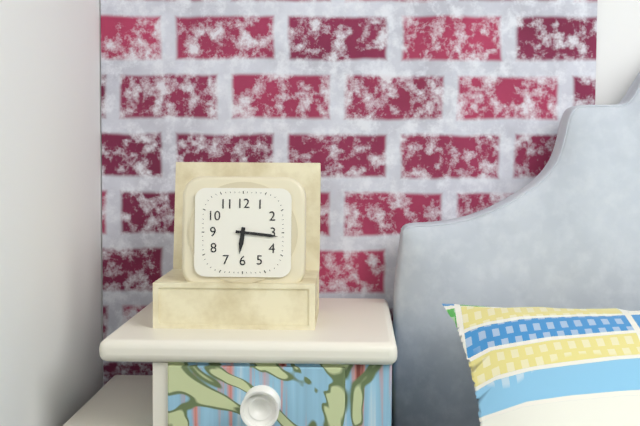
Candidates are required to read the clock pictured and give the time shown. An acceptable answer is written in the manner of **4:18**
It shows **6:16**
